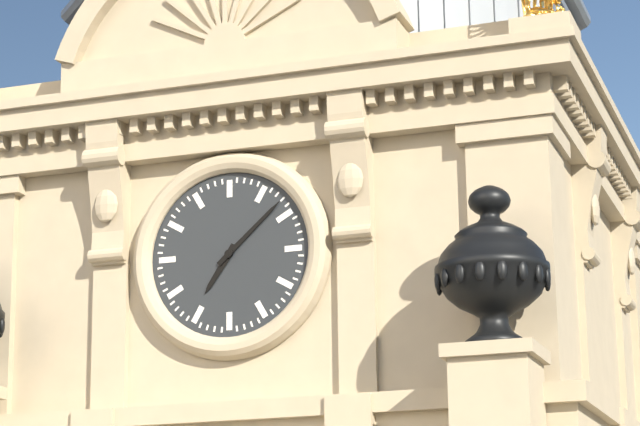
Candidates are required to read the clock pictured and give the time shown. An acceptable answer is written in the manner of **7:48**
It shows **7:08**
